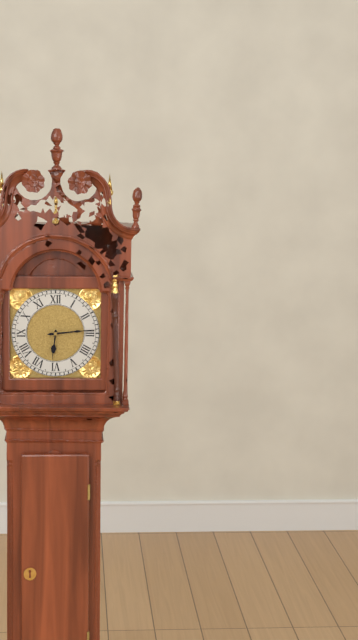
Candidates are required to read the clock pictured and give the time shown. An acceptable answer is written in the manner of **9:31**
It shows **6:14**
